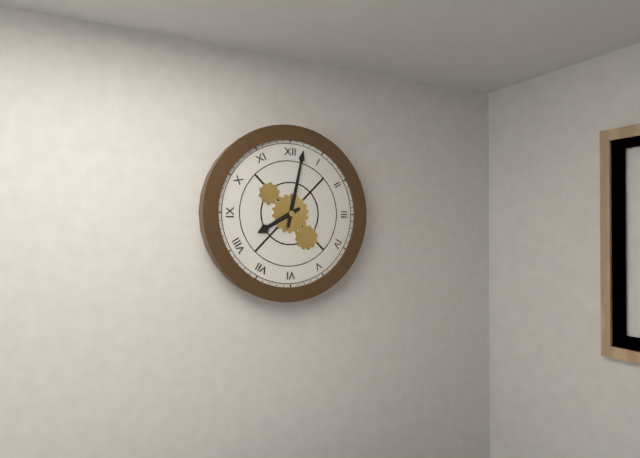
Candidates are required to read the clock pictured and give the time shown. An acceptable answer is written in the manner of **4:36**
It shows **8:02**
